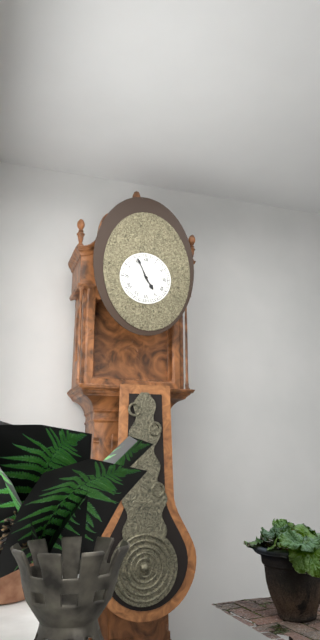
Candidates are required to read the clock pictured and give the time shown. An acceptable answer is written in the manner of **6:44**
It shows **4:56**
